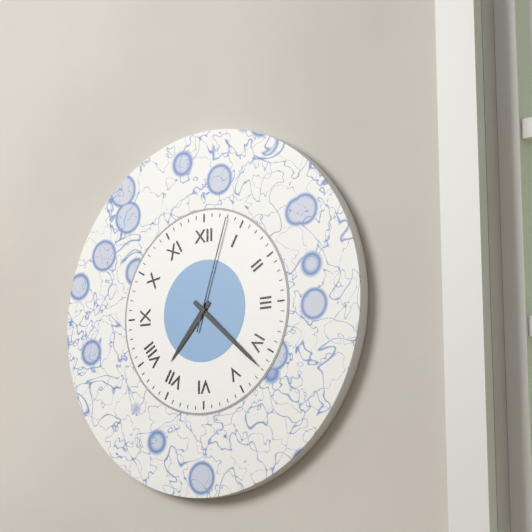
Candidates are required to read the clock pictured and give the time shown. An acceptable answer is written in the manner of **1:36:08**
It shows **7:22:03**
